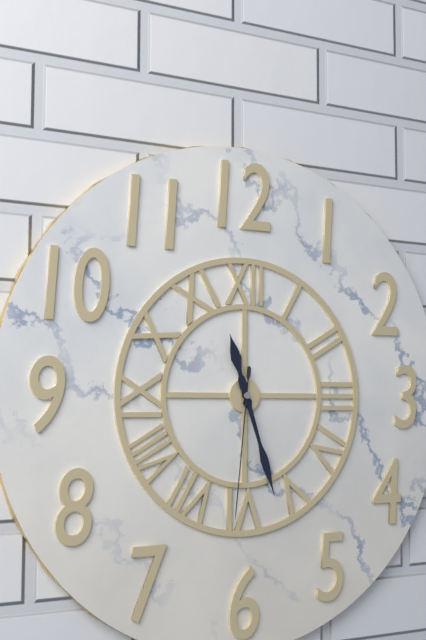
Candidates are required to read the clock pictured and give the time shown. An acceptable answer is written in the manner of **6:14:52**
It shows **11:27:31**
